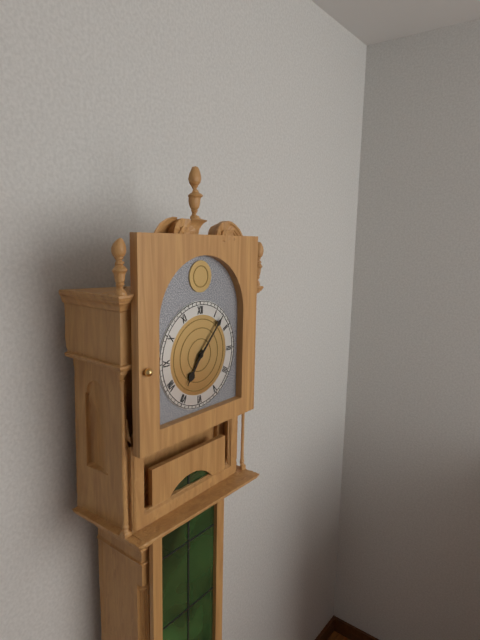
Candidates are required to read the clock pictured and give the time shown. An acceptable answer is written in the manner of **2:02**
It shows **7:07**
